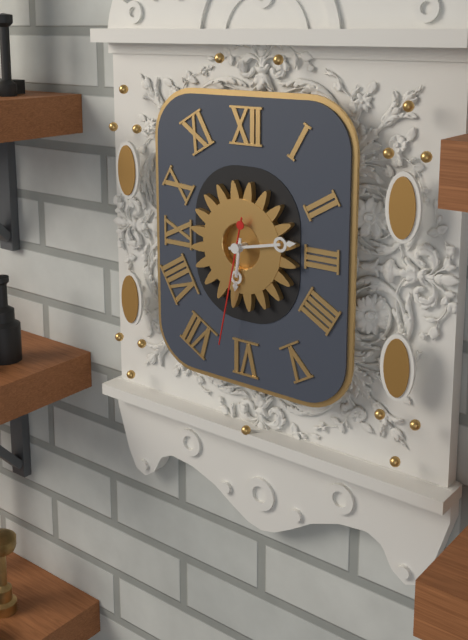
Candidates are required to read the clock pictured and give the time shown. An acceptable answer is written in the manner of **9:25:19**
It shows **6:13:32**
